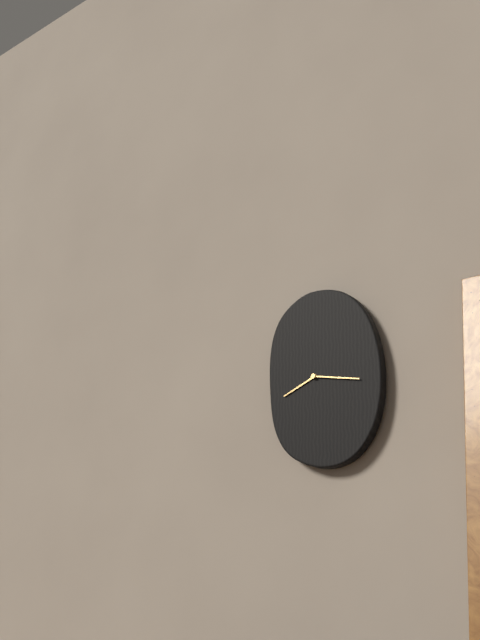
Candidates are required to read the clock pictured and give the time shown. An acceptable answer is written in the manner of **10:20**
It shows **8:17**
